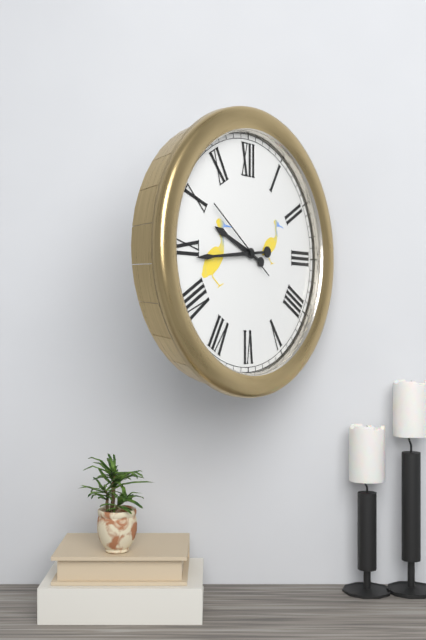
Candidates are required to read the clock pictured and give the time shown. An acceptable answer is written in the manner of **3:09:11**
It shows **9:44:51**
